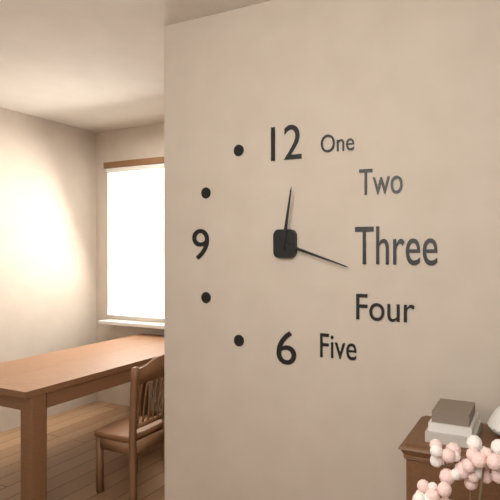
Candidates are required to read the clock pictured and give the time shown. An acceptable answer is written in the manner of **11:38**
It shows **12:18**
